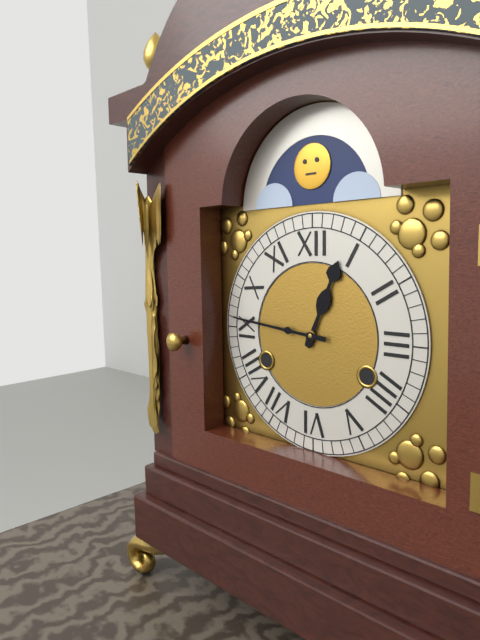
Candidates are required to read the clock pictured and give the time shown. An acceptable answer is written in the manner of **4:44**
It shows **12:46**
